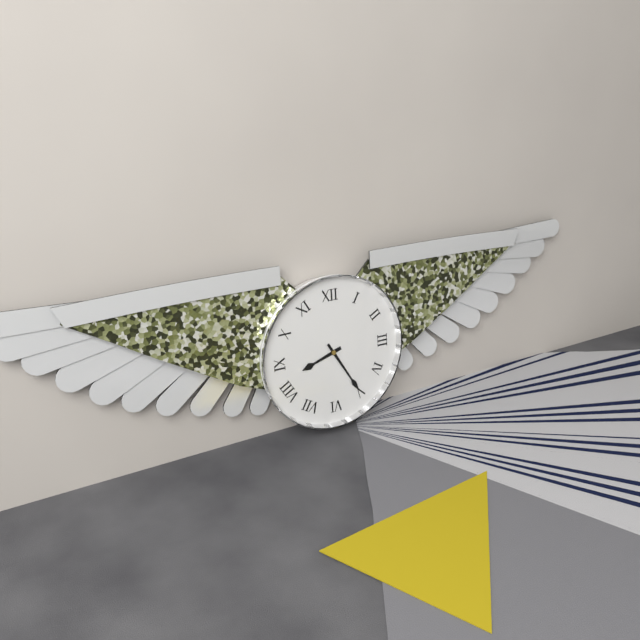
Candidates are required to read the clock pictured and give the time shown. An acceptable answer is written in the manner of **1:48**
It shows **8:25**
